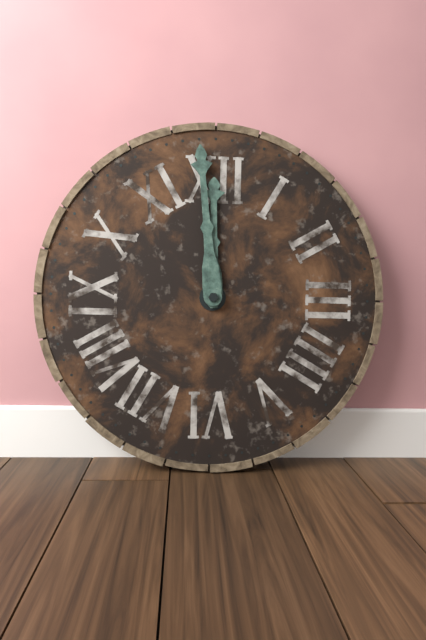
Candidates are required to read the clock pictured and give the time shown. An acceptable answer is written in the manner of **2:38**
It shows **11:59**
